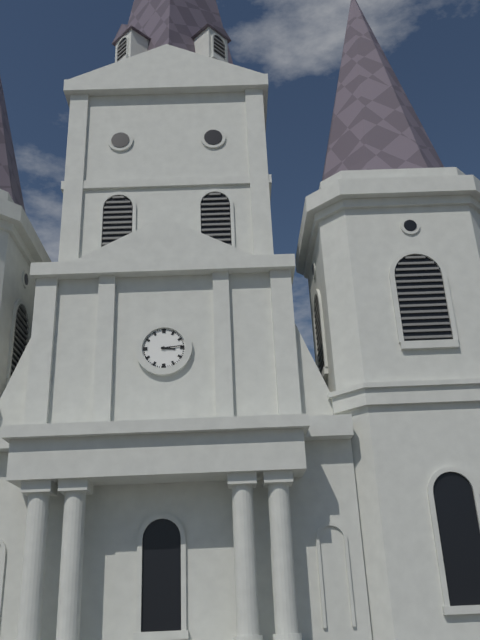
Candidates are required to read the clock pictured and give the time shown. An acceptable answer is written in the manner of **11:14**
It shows **3:14**
